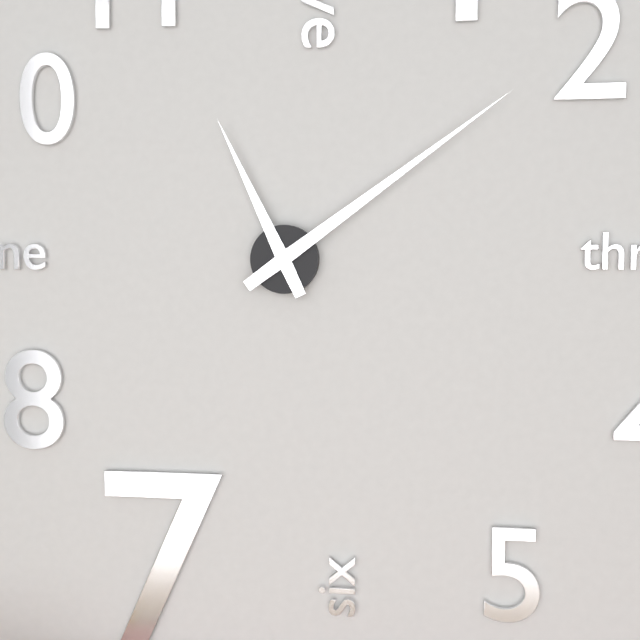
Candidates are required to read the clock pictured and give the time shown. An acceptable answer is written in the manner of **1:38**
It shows **11:09**
